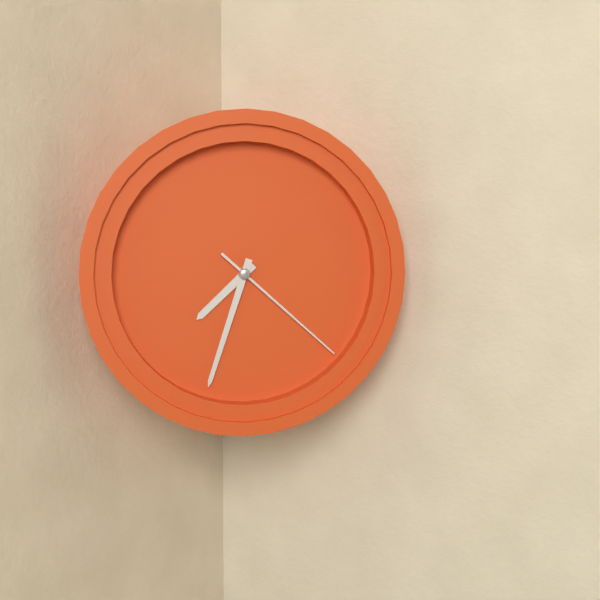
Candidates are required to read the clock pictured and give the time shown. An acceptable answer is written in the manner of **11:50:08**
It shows **7:33:22**
